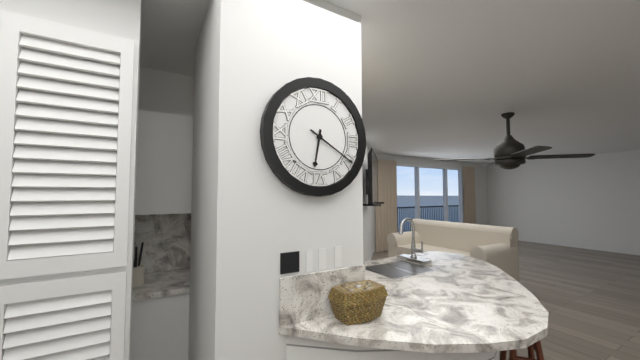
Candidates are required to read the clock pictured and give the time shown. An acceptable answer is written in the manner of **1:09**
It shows **6:20**
